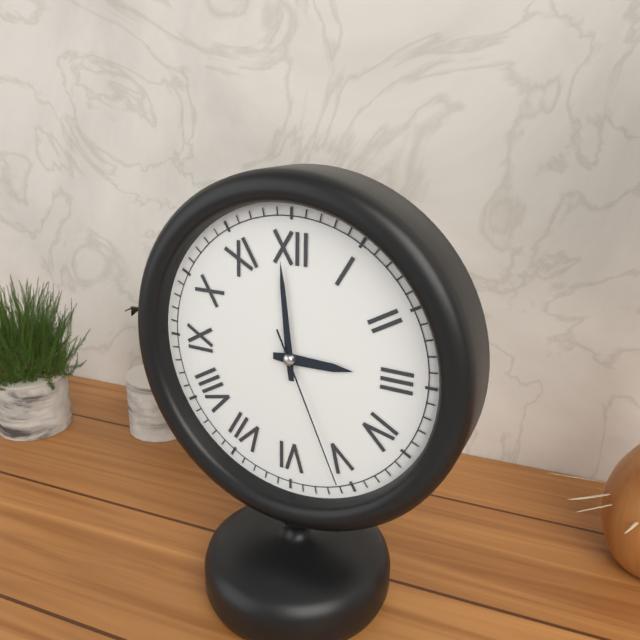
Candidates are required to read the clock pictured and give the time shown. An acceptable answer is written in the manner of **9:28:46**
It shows **2:59:26**
